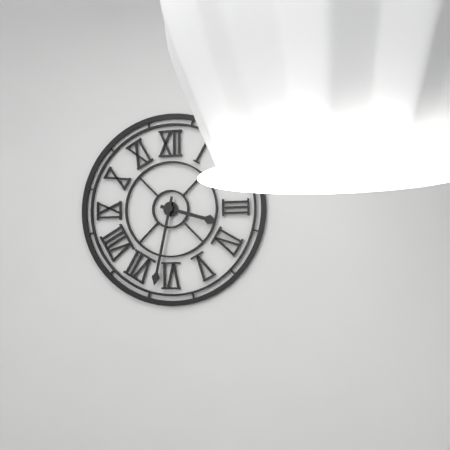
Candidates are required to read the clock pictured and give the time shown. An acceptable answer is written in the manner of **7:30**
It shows **3:32**
